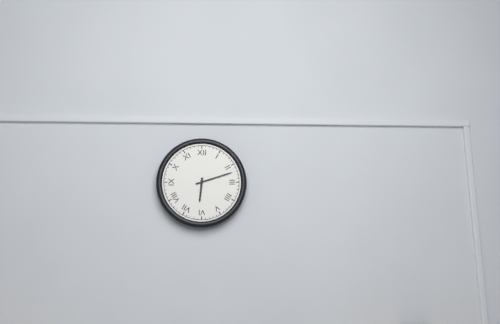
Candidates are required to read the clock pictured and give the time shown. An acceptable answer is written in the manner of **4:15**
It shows **6:12**
